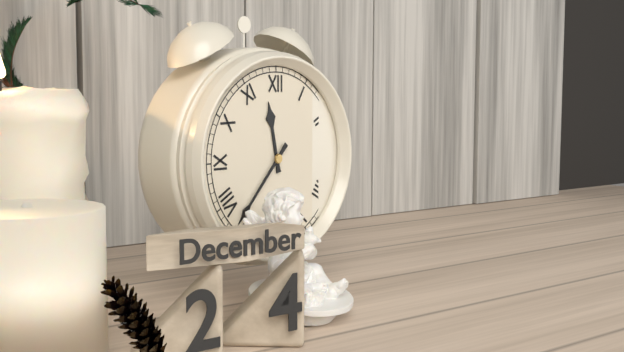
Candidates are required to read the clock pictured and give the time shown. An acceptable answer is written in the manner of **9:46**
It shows **11:37**
